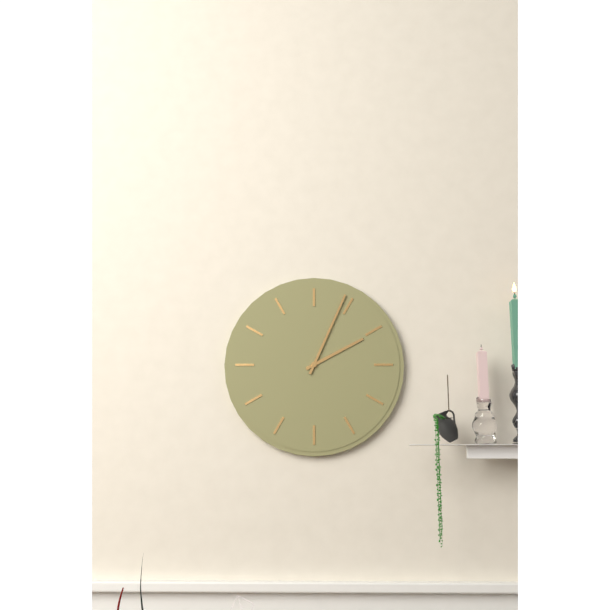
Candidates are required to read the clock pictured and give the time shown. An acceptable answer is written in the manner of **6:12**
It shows **2:04**
